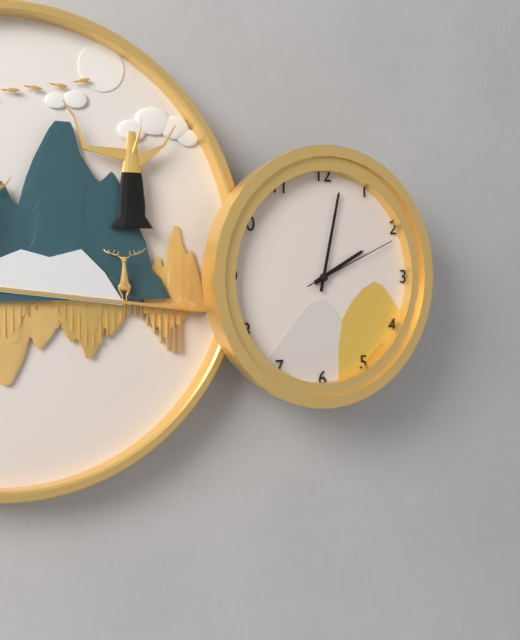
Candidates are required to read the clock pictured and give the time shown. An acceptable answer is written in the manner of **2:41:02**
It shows **2:02:11**
